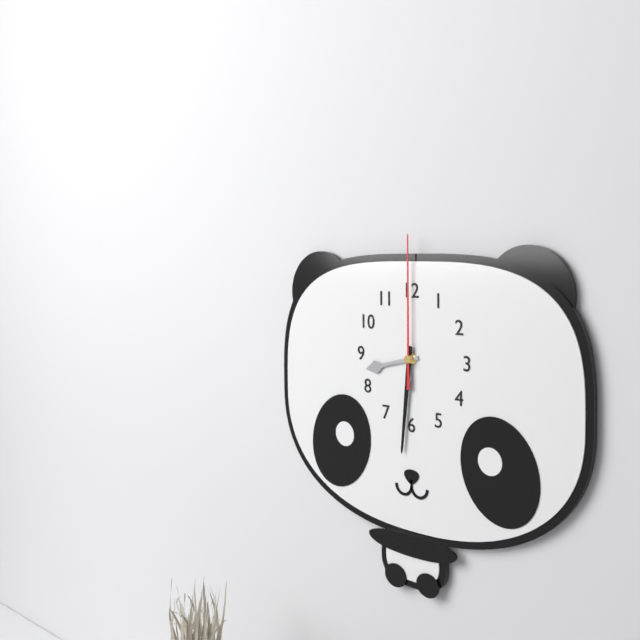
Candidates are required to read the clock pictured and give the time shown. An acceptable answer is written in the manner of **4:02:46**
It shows **8:31:00**
